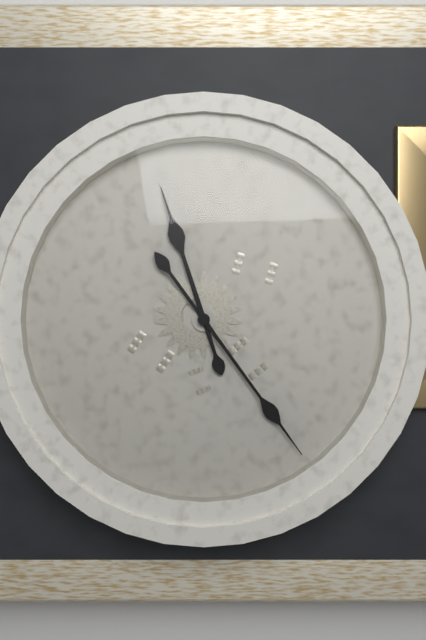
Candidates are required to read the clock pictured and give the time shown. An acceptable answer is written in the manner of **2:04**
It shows **11:24**
